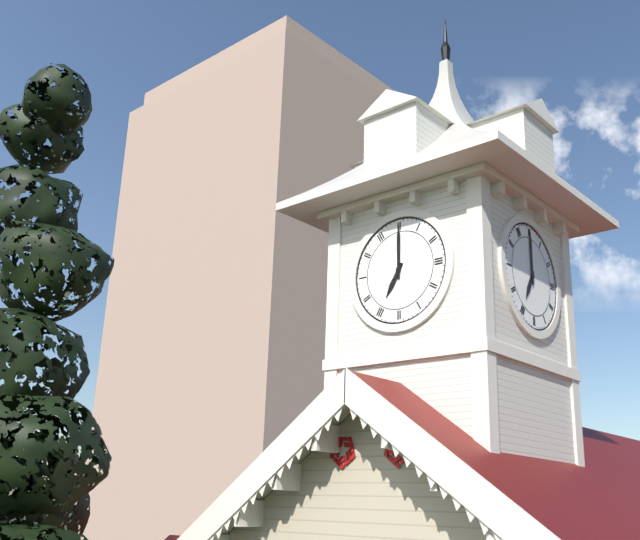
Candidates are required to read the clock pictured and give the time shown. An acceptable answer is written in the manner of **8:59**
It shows **7:00**
